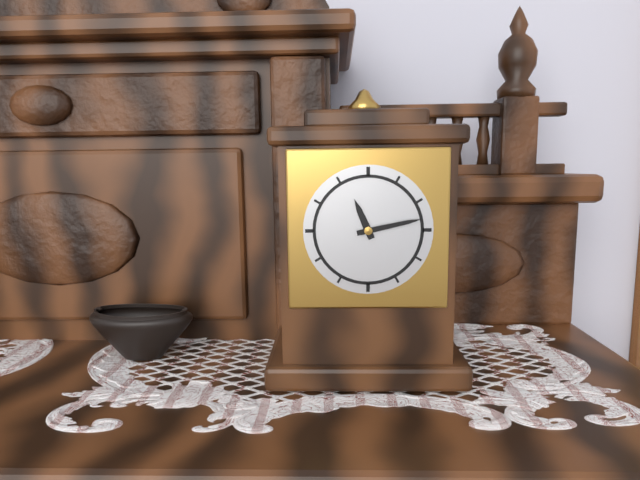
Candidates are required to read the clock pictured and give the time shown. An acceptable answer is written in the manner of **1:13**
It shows **11:13**
